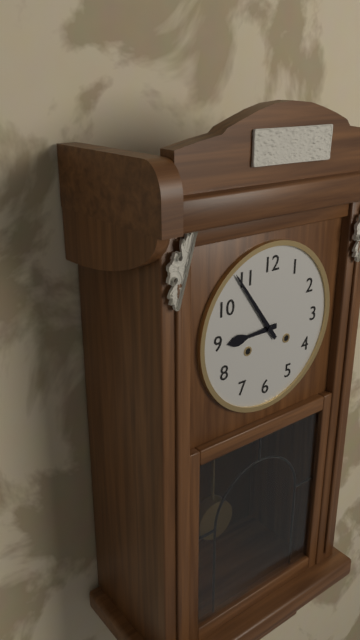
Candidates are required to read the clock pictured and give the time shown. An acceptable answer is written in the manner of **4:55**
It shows **8:54**
